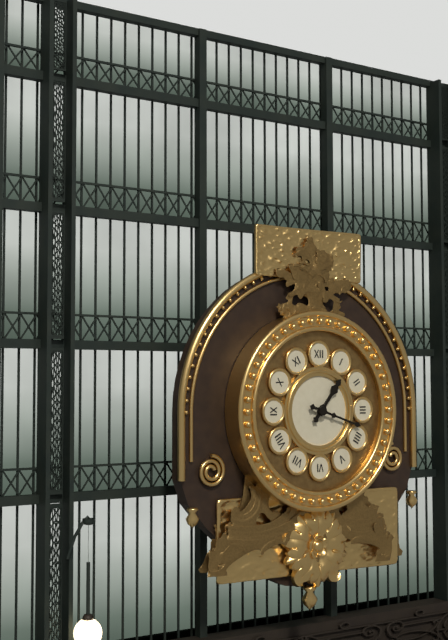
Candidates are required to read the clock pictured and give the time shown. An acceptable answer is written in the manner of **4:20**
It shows **1:18**
